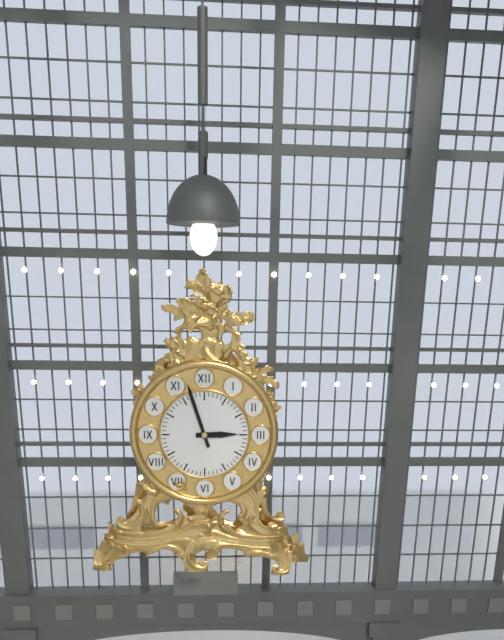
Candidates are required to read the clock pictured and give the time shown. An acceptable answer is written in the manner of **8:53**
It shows **2:57**
